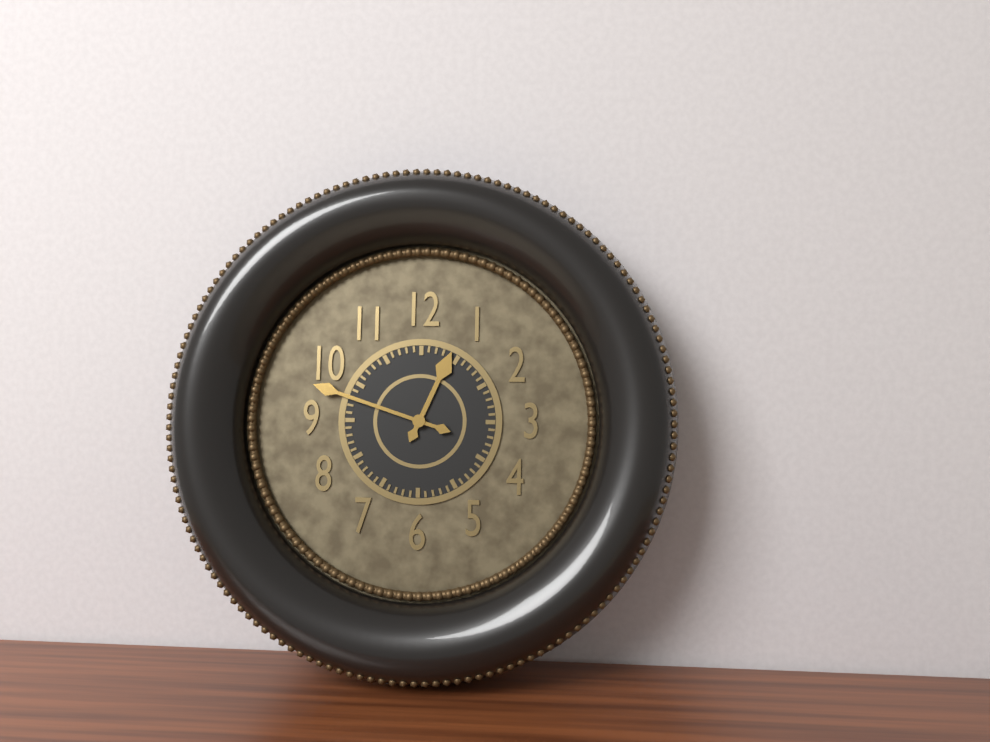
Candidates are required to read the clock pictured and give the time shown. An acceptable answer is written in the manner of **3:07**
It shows **12:48**
